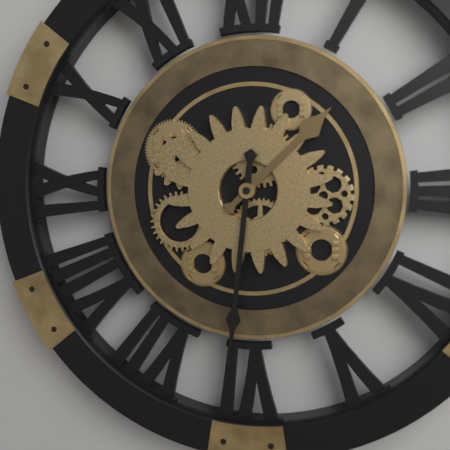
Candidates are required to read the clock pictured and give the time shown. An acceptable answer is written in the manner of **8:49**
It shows **1:31**
